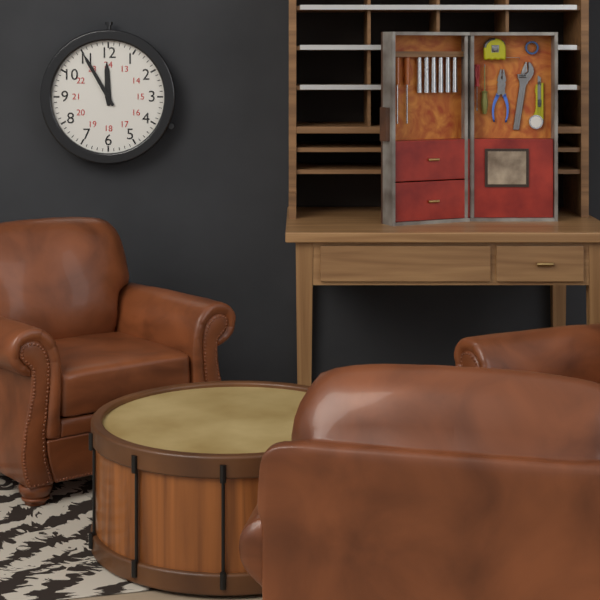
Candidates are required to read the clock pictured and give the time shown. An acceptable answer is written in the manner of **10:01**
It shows **11:55**
